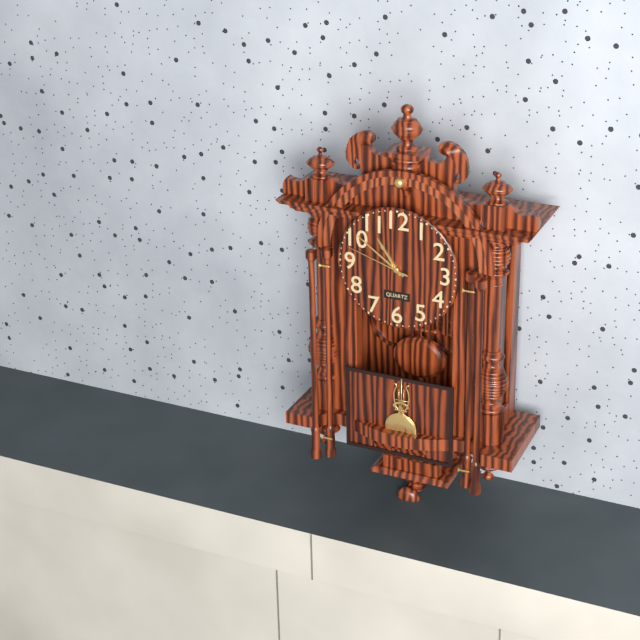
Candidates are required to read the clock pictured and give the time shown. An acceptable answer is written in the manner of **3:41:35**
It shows **10:51:48**
